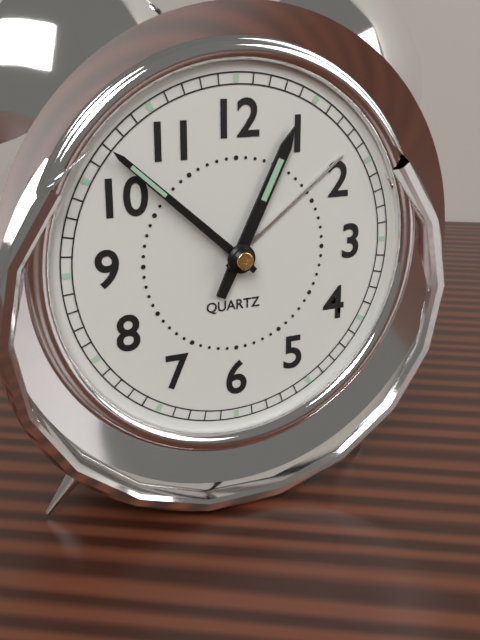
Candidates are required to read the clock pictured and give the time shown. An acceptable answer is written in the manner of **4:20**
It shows **12:52**
